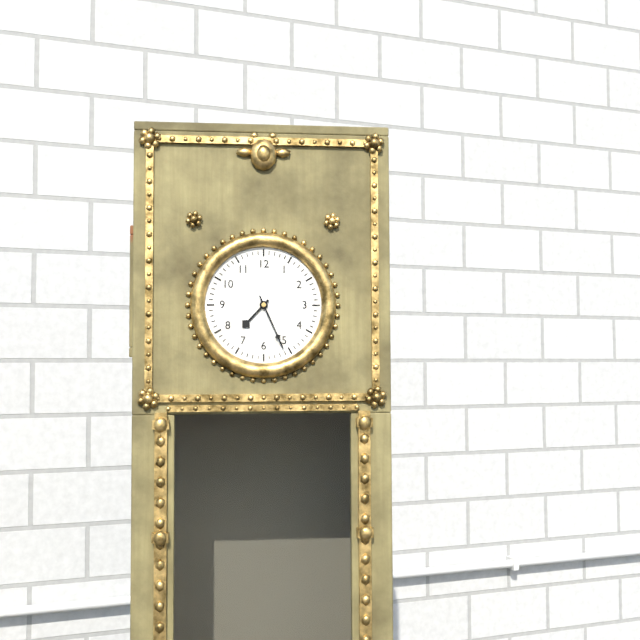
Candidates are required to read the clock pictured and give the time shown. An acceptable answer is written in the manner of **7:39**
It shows **7:26**
